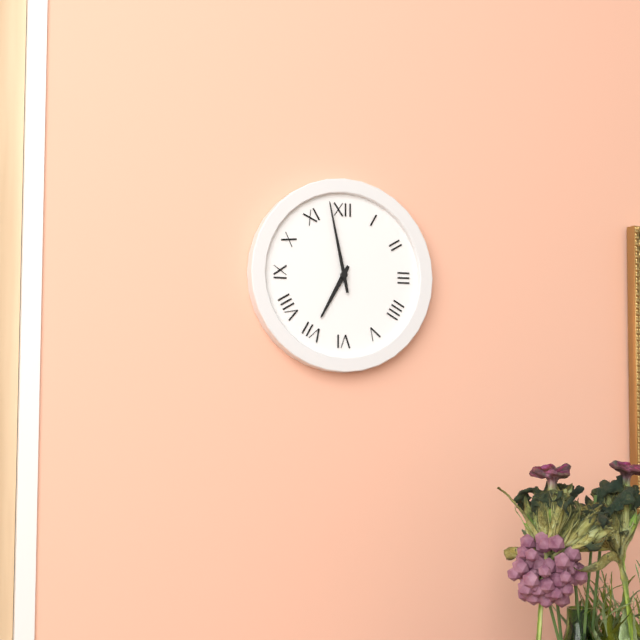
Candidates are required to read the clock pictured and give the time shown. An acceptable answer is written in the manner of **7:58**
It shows **6:58**
